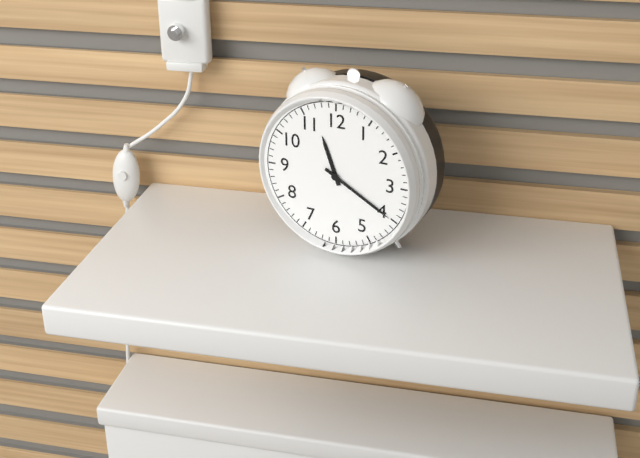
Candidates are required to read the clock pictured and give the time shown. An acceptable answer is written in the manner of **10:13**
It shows **11:20**
